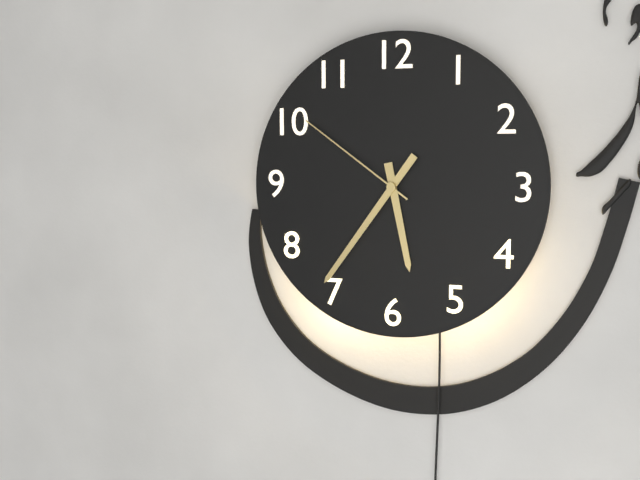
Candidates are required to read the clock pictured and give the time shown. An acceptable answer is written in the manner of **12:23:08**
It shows **5:36:51**
